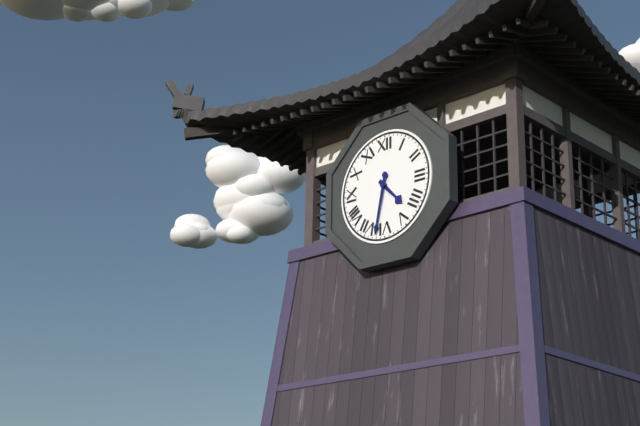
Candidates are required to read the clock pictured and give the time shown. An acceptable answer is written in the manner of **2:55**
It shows **4:32**
